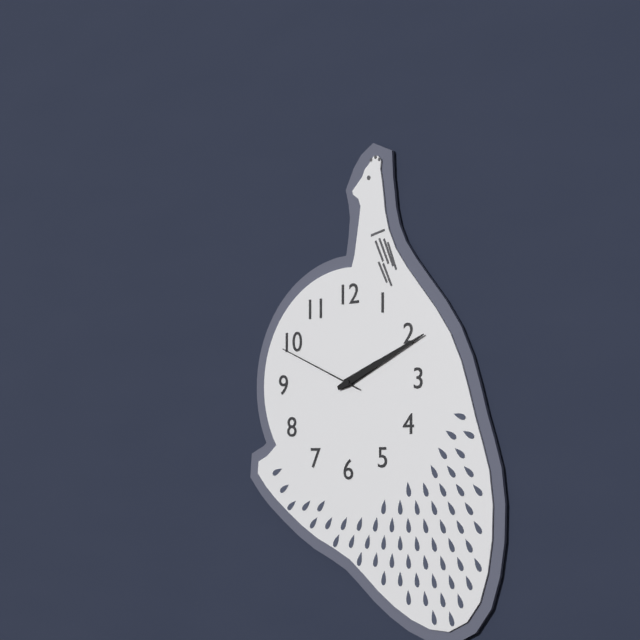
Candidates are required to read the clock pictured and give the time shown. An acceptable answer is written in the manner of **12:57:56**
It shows **2:11:49**
